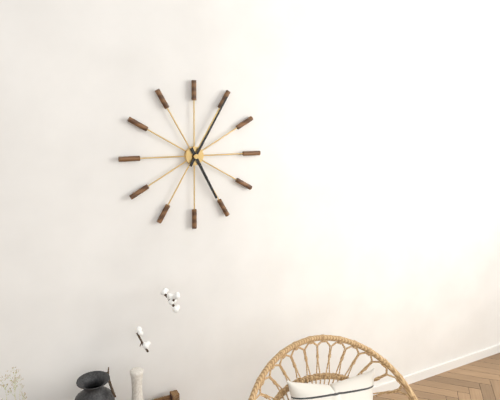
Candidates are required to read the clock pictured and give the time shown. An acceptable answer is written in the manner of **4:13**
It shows **5:05**
